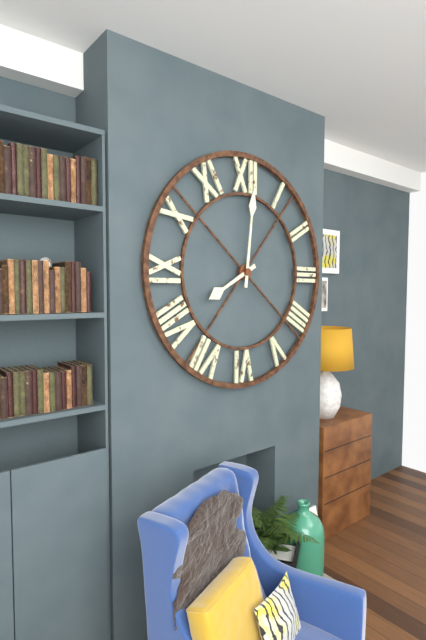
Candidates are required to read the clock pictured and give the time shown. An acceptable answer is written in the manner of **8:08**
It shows **8:01**
